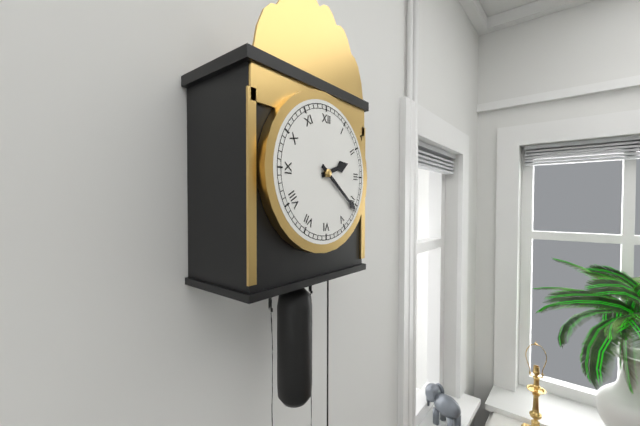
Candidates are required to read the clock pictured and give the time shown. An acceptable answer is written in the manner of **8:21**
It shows **2:21**
